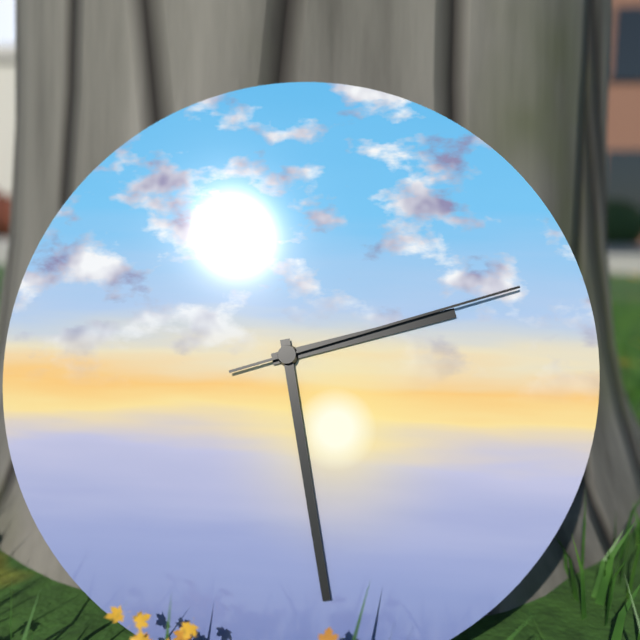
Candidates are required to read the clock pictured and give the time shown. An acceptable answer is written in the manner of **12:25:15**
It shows **2:28:12**
